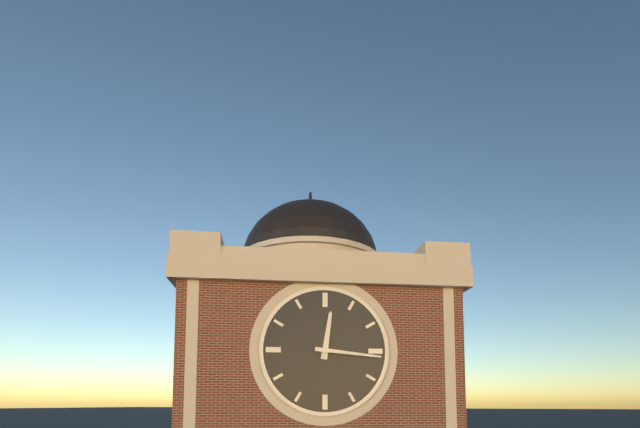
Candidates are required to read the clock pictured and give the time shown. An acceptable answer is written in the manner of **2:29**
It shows **12:16**
